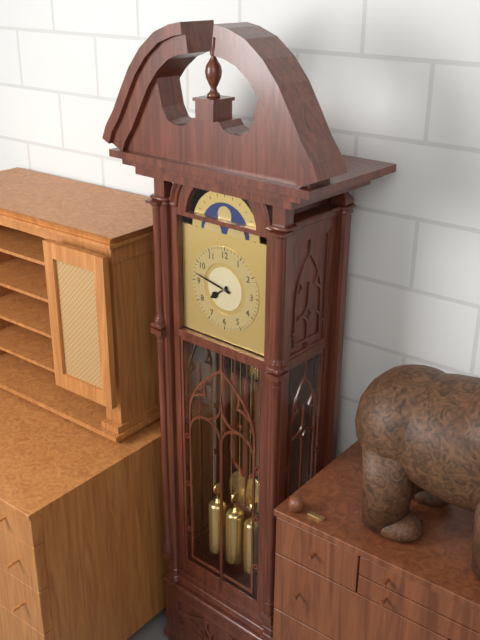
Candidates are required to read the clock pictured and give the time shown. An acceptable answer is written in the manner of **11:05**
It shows **7:47**
